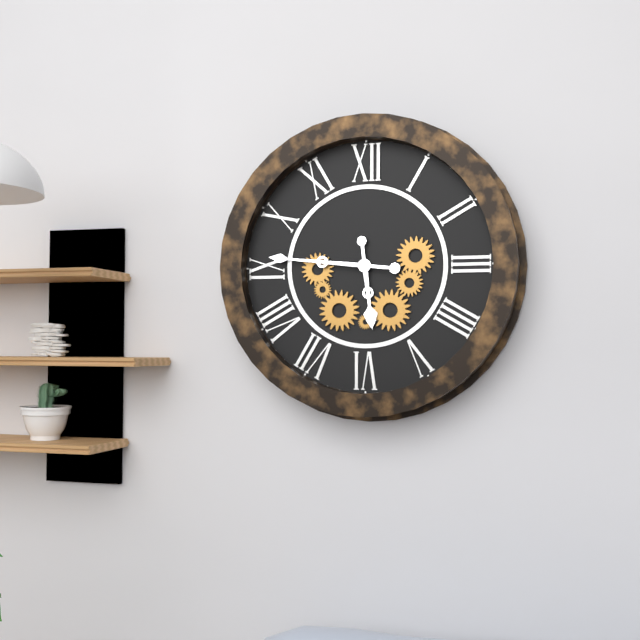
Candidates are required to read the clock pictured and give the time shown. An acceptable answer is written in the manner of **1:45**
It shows **5:46**
